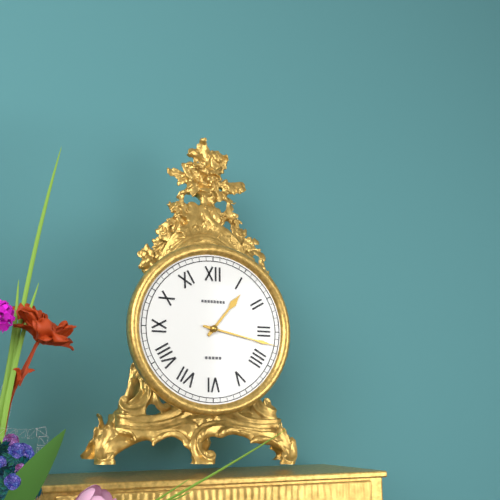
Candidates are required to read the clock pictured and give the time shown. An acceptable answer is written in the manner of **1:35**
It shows **1:17**
